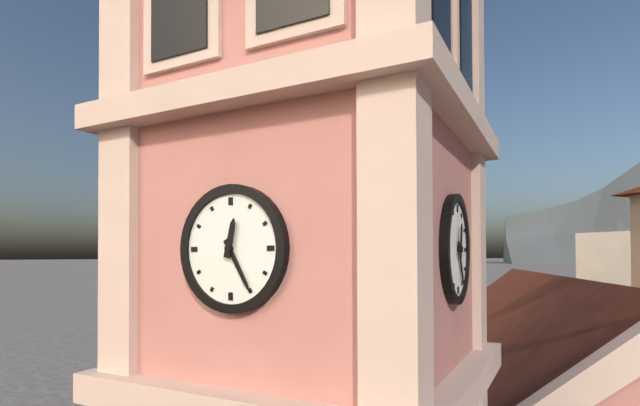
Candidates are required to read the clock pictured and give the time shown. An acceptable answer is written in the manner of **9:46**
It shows **12:25**
